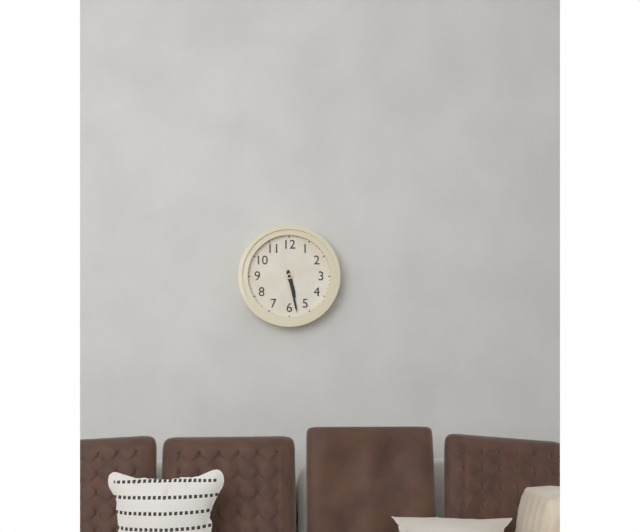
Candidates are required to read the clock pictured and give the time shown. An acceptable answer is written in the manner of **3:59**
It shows **5:28**
